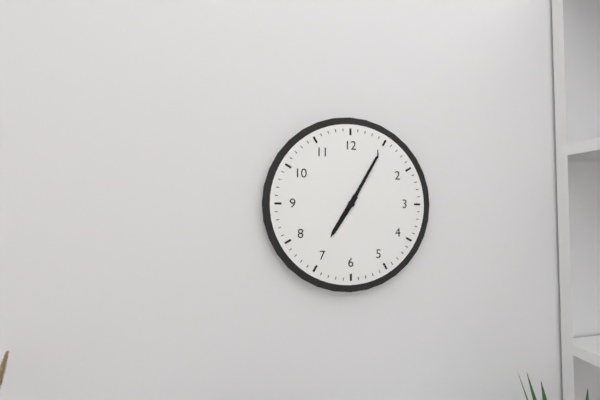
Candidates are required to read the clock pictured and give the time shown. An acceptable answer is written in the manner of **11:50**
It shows **7:05**
